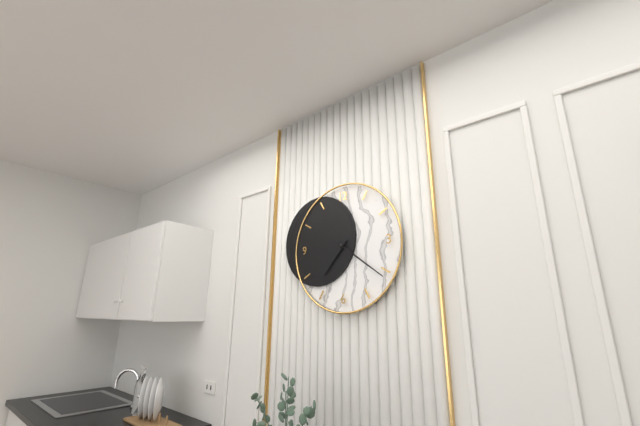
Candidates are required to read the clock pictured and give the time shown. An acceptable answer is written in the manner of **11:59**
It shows **7:21**
